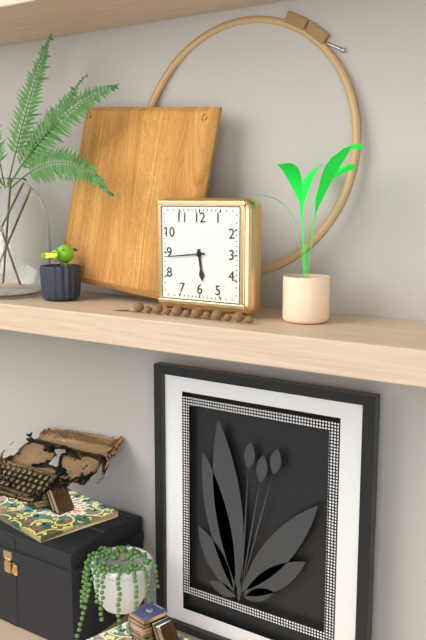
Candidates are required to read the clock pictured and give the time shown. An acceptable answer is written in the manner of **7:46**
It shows **5:44**
